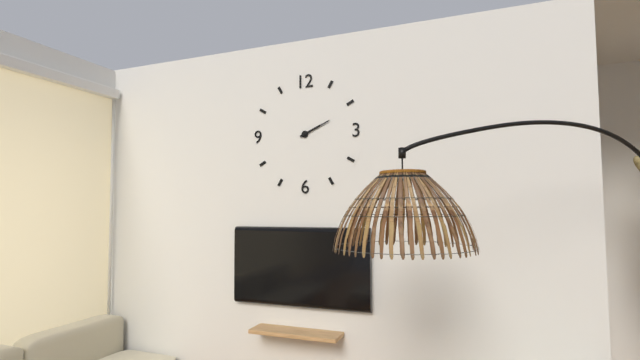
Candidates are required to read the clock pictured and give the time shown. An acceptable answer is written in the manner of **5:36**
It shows **2:11**
